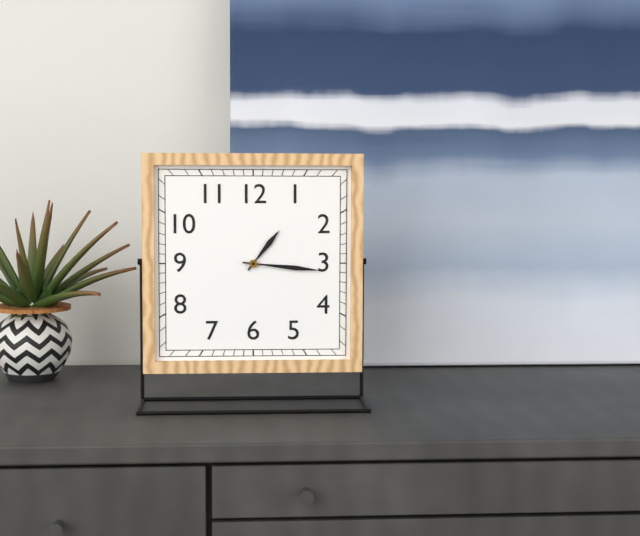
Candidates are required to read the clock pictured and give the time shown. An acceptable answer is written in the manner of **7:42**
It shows **1:16**
